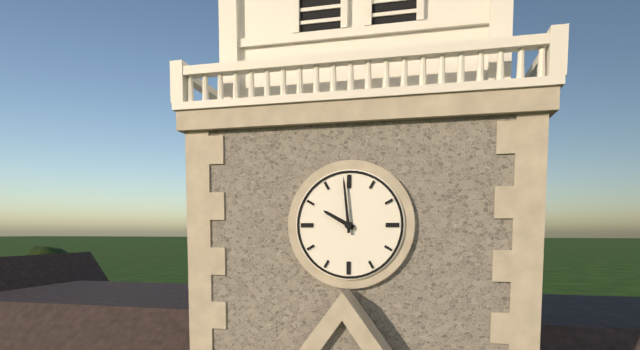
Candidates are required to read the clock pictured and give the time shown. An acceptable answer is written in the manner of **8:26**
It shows **9:59**
